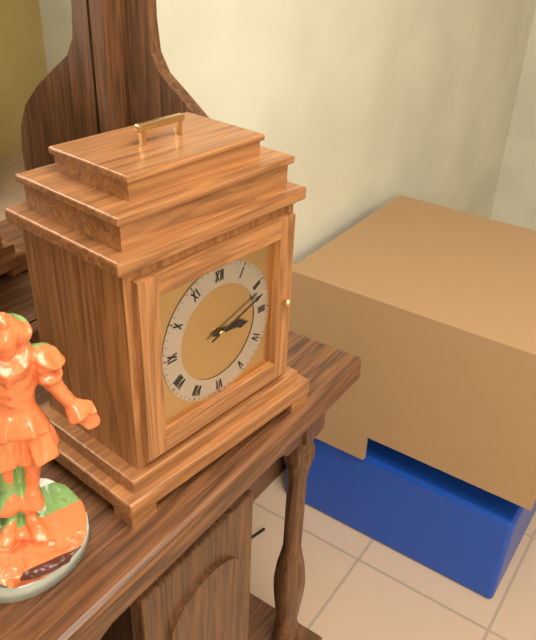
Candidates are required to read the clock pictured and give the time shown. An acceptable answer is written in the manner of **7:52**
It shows **3:12**
